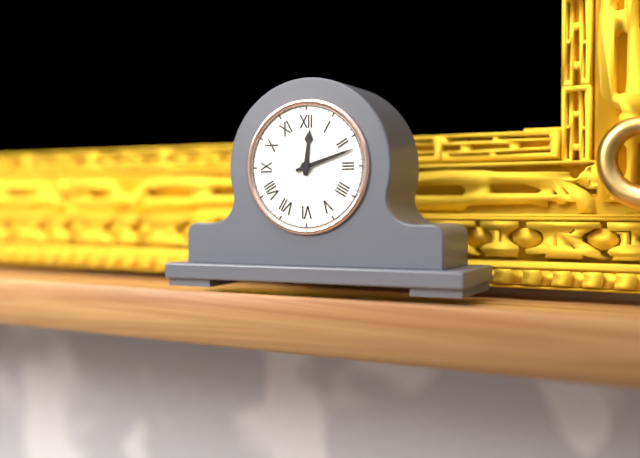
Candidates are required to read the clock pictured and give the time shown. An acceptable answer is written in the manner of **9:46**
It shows **12:12**
